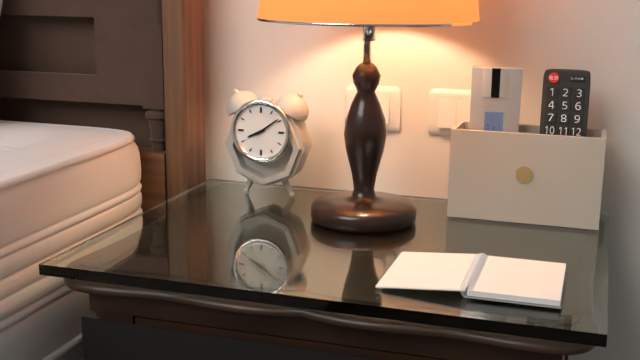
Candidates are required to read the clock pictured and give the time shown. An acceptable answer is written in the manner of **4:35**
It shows **8:09**
